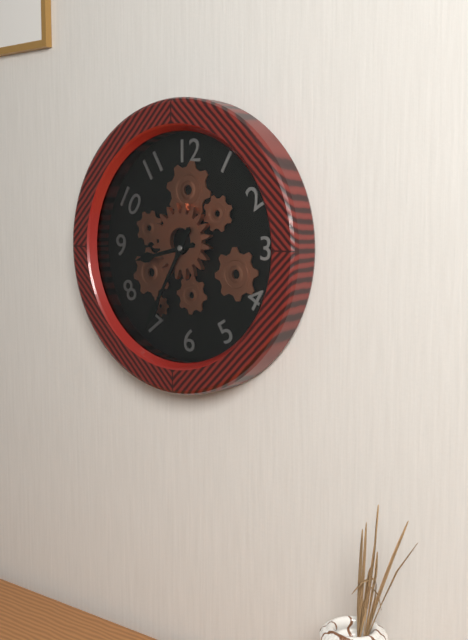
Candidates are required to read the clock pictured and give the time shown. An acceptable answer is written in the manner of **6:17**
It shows **8:35**
